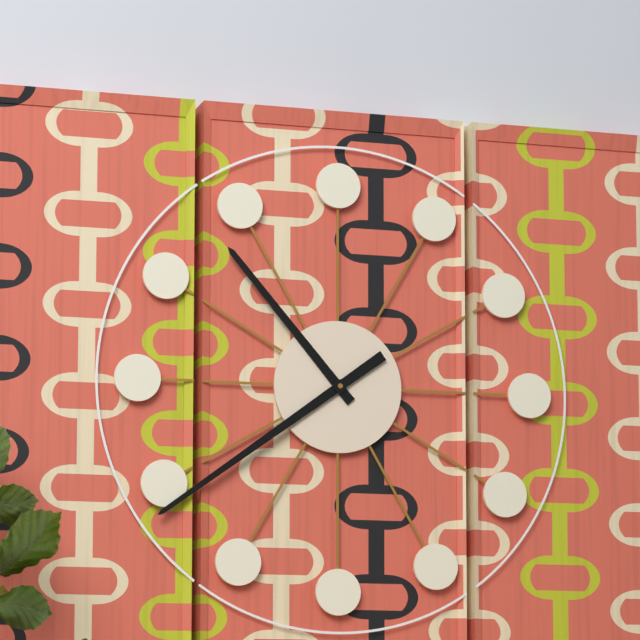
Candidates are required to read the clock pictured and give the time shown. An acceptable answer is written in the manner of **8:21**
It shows **10:39**
